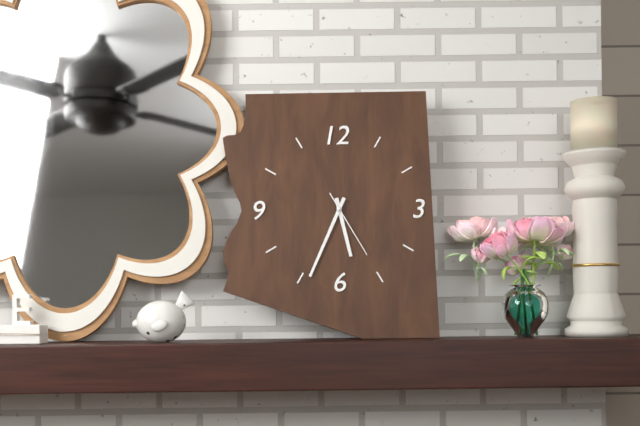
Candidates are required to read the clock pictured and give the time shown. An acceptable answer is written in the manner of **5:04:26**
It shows **5:34:25**
